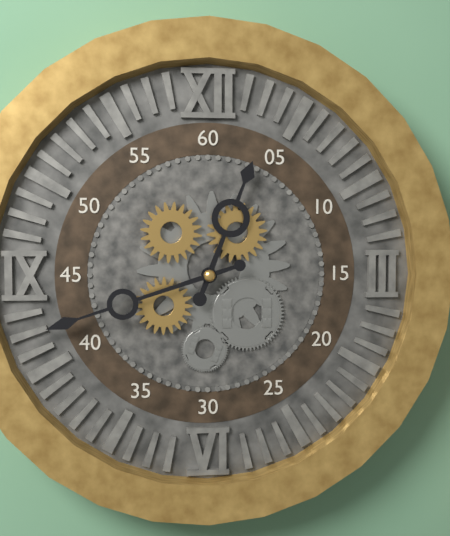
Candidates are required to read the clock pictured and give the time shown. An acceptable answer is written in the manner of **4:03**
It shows **12:42**
